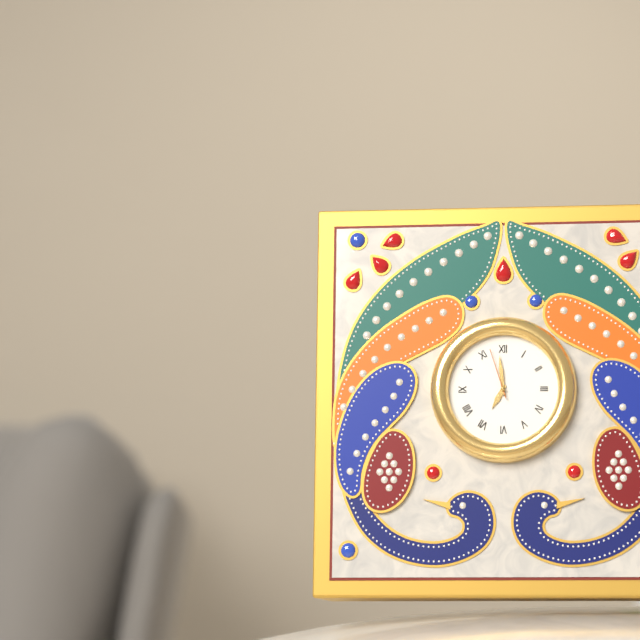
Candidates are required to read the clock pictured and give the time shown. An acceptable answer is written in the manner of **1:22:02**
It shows **6:59:57**
